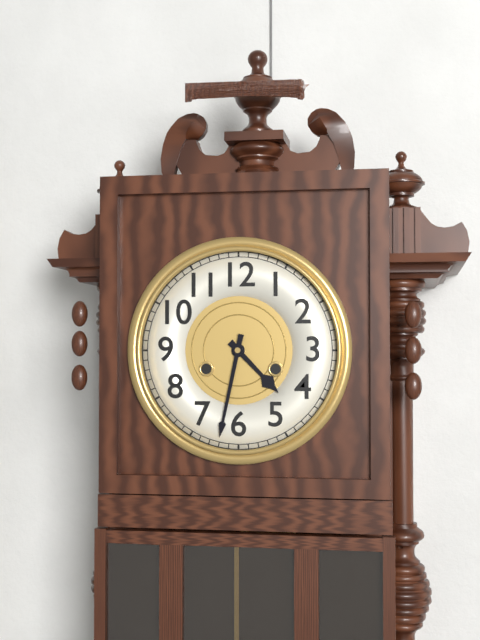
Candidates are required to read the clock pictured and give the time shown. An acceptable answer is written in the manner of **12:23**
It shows **4:32**
